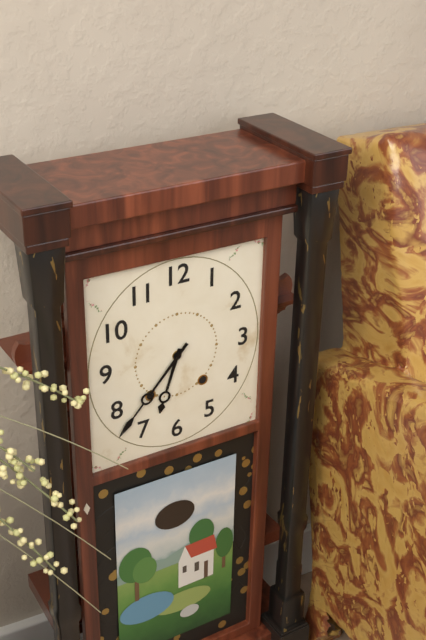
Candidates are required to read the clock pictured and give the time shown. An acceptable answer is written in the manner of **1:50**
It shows **6:37**
